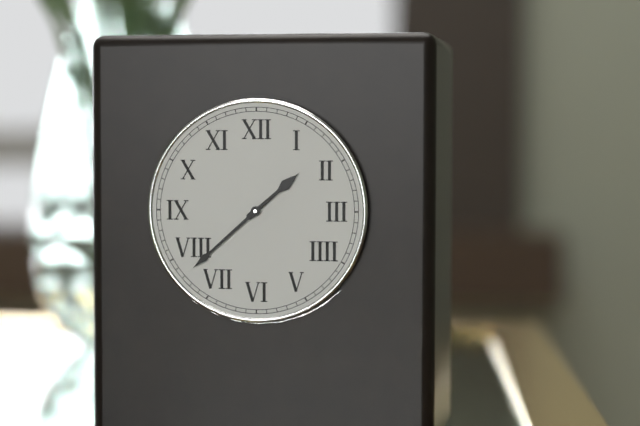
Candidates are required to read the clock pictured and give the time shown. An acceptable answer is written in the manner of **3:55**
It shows **1:38**
